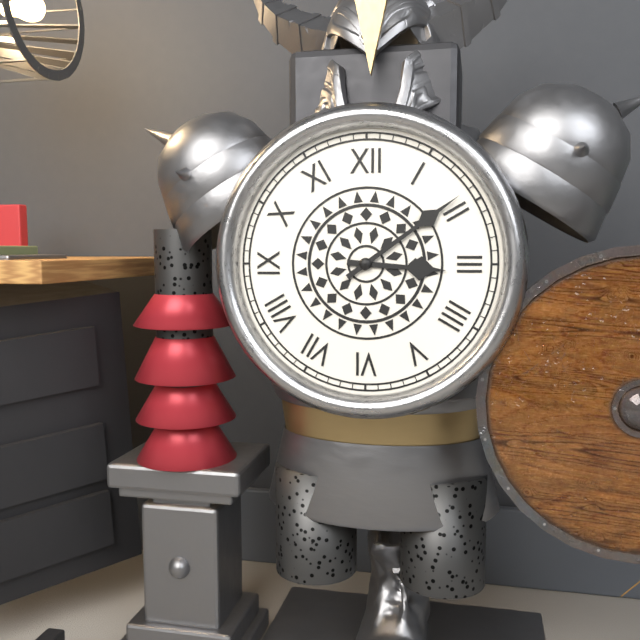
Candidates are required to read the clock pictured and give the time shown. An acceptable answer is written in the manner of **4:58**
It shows **3:09**
